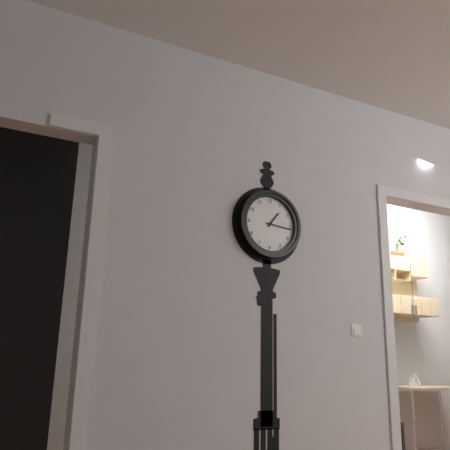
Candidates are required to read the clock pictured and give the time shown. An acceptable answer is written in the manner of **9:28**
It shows **1:16**
